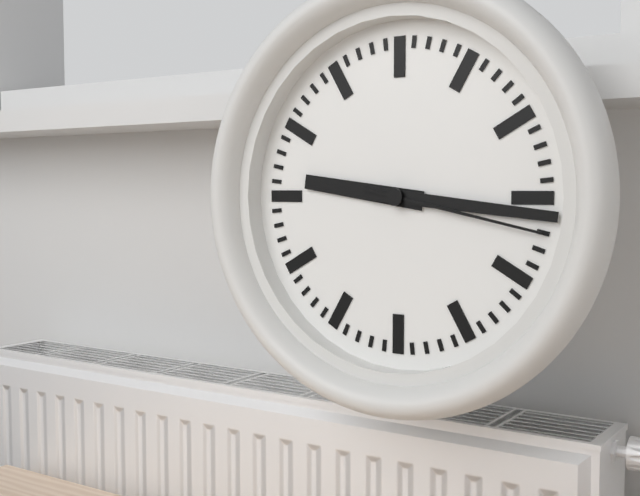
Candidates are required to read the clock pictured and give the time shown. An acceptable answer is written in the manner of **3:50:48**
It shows **9:16:17**
